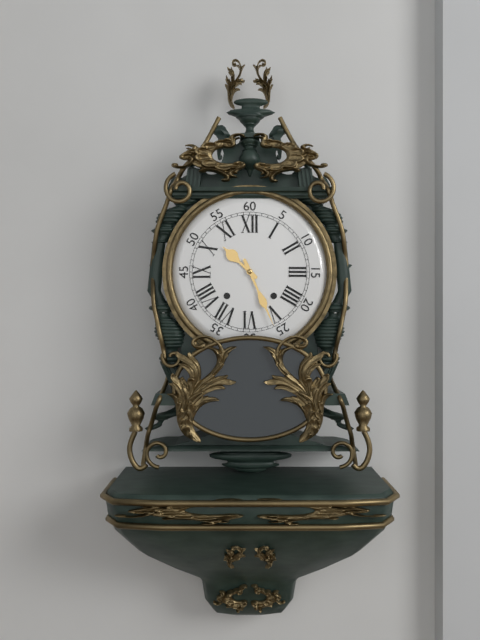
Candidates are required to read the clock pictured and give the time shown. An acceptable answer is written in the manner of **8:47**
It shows **10:26**
